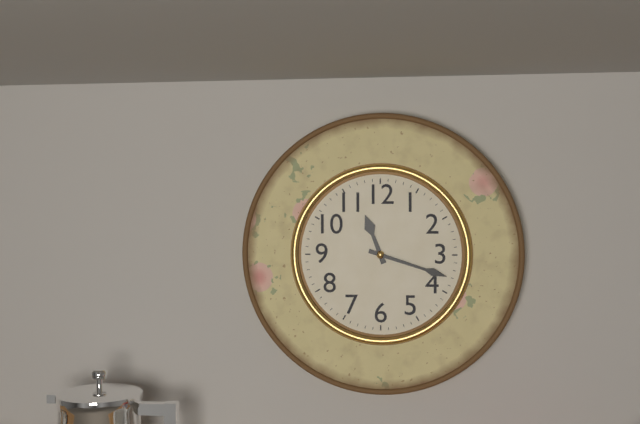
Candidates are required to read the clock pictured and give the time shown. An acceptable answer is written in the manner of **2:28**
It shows **11:18**
